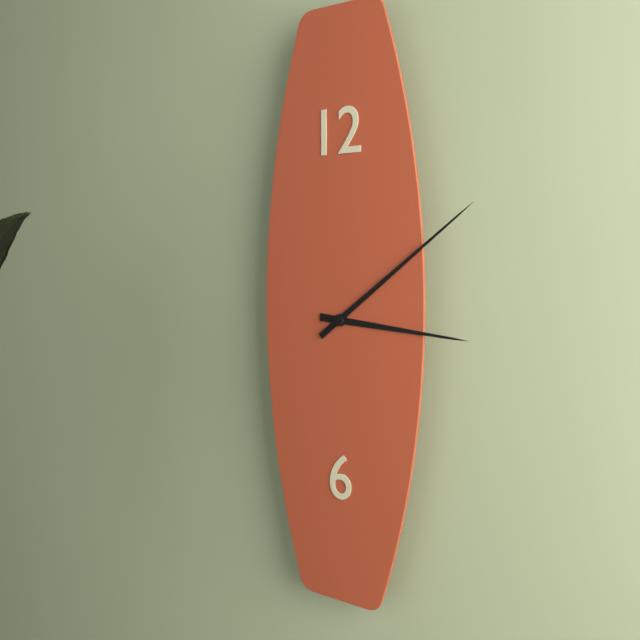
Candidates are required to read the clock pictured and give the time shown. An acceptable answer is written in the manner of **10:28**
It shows **3:09**
